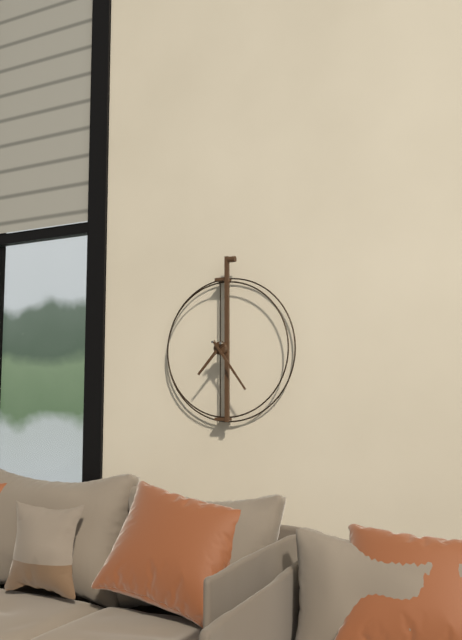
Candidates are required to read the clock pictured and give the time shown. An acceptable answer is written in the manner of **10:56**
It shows **7:24**
